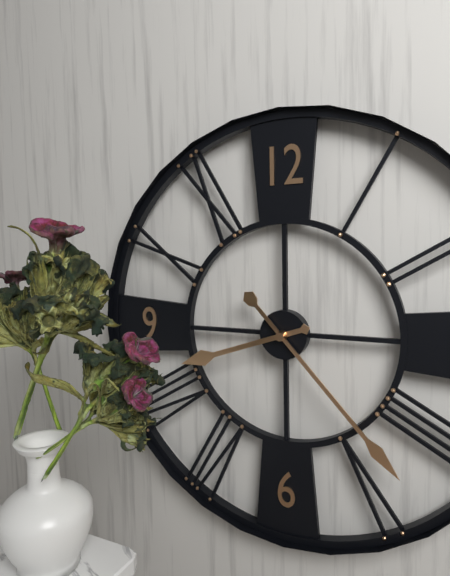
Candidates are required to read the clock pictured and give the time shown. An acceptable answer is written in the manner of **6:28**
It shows **8:23**
